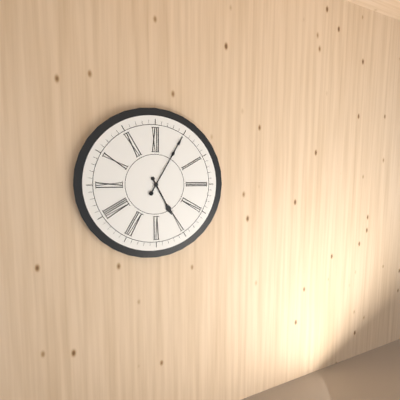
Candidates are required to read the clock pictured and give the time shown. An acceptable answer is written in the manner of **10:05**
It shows **5:05**
